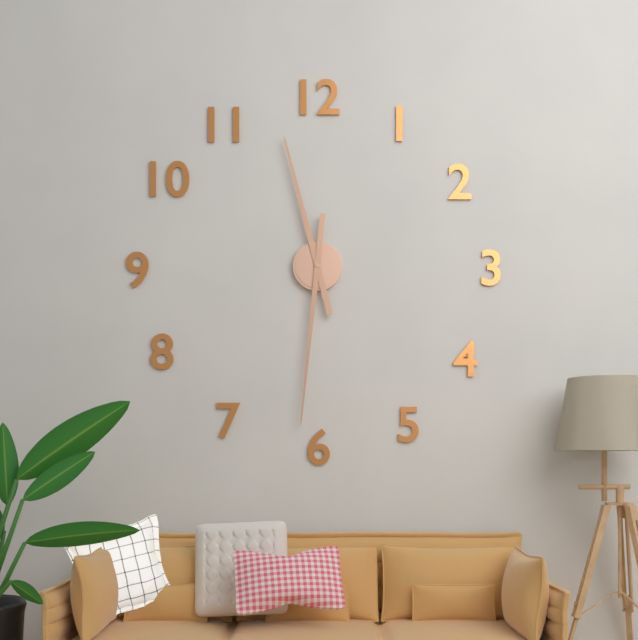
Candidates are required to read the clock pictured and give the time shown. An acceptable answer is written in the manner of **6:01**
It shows **11:31**
